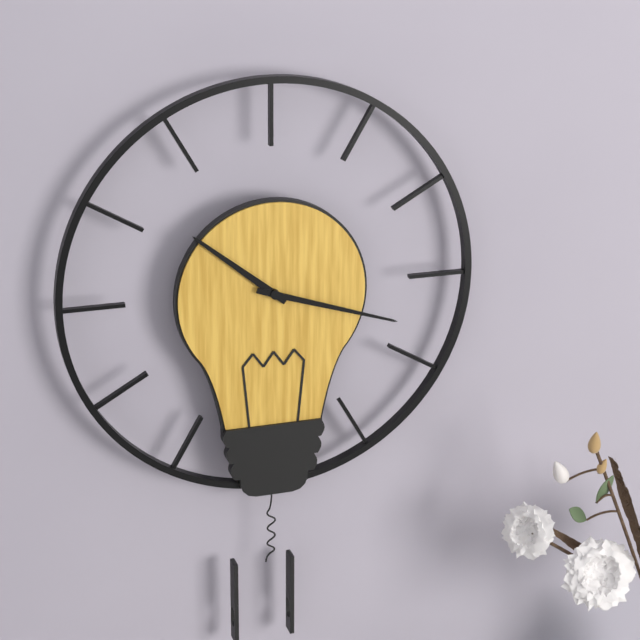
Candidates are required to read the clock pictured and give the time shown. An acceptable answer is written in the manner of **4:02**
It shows **10:18**
